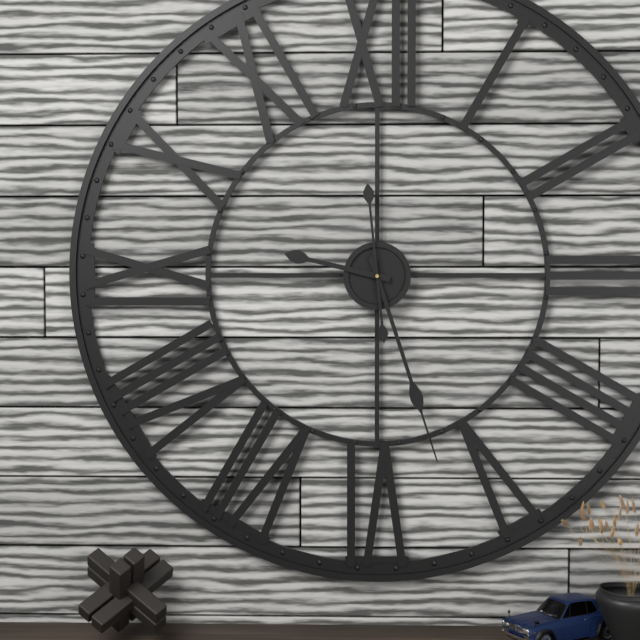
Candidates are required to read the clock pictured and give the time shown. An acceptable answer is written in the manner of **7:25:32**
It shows **9:27:59**
